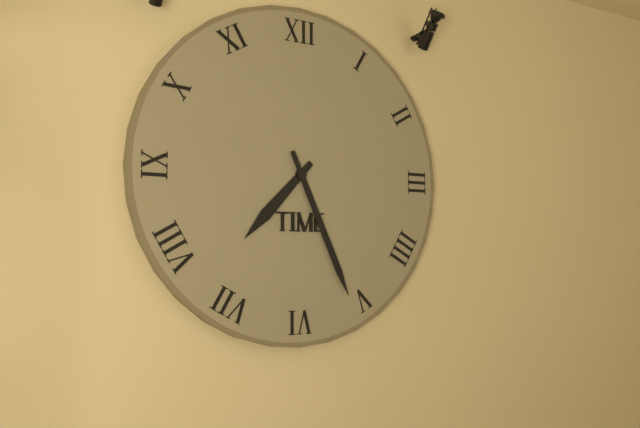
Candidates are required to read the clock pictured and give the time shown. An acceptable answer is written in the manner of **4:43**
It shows **7:26**
